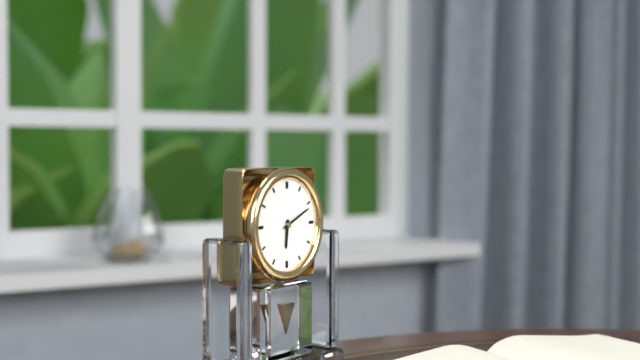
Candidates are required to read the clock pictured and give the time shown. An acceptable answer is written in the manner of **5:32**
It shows **6:11**
